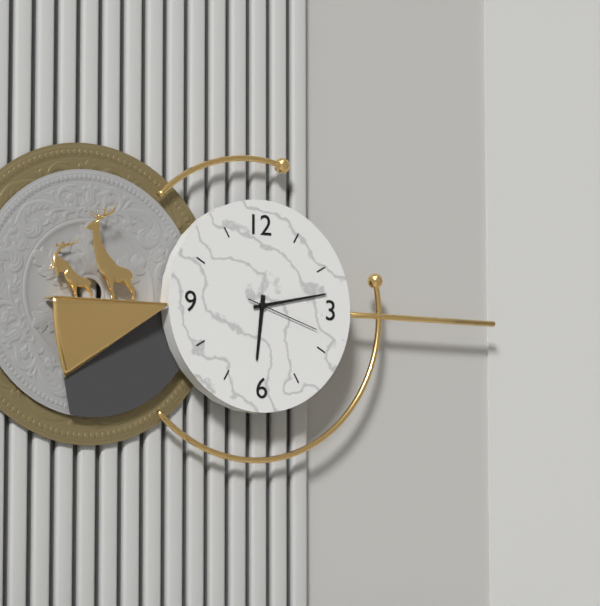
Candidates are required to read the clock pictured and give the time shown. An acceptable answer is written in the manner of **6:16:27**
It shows **6:13:18**
